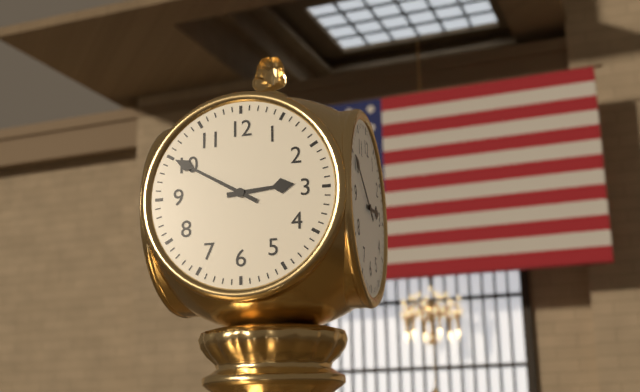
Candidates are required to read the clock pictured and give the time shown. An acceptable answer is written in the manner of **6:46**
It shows **2:50**
